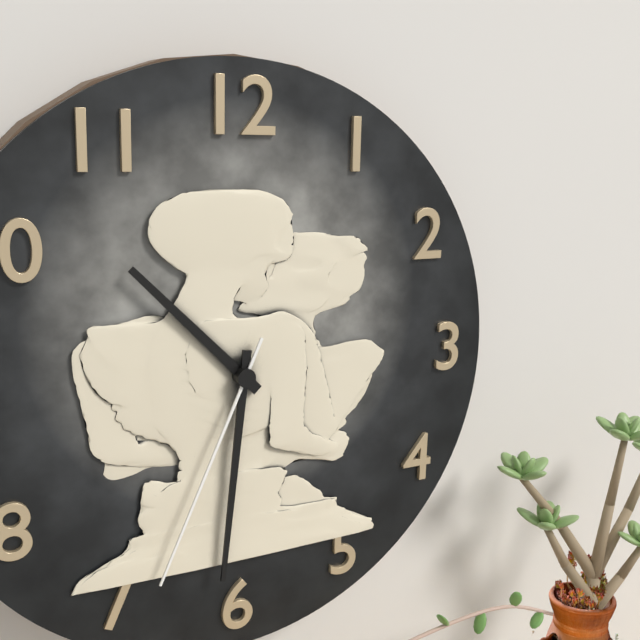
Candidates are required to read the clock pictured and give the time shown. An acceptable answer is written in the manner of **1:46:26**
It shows **10:31:34**
